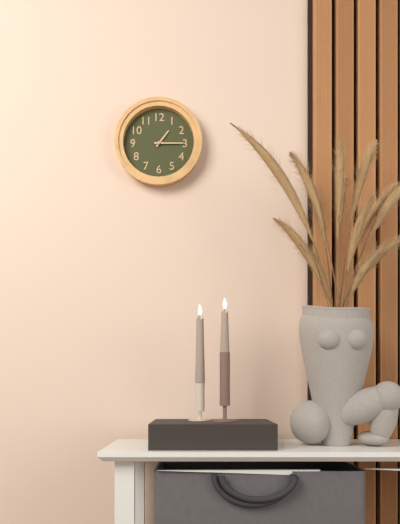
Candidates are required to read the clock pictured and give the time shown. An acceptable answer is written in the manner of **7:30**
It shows **1:15**
